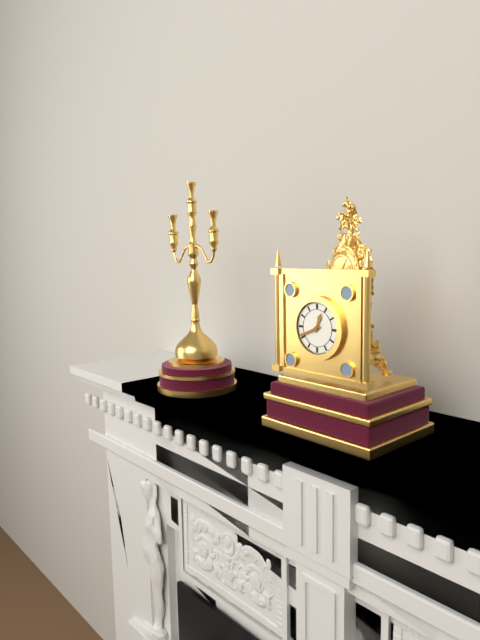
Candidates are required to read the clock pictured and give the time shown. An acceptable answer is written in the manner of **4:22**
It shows **12:41**
